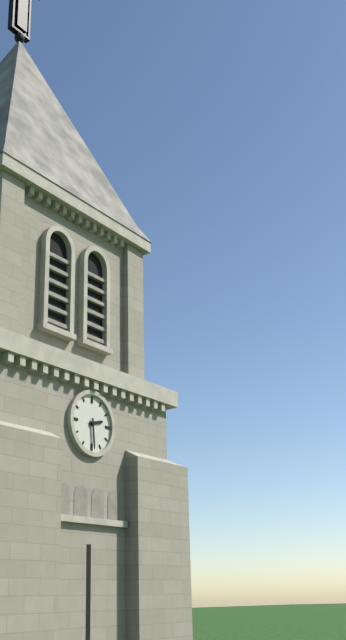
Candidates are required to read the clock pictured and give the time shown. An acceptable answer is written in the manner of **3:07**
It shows **2:29**
